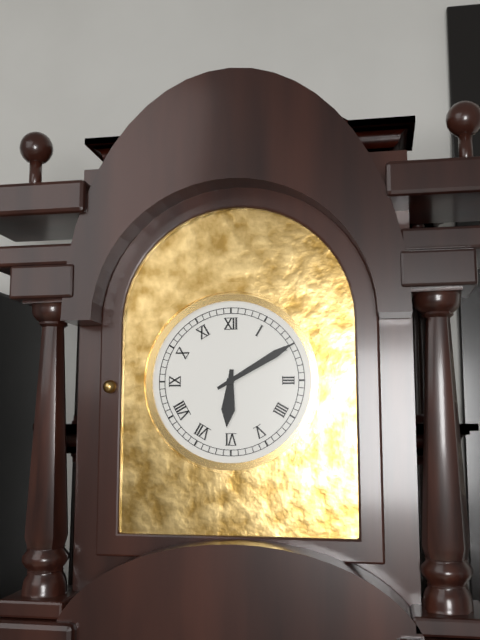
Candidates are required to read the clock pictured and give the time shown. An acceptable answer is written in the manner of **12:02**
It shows **6:10**
